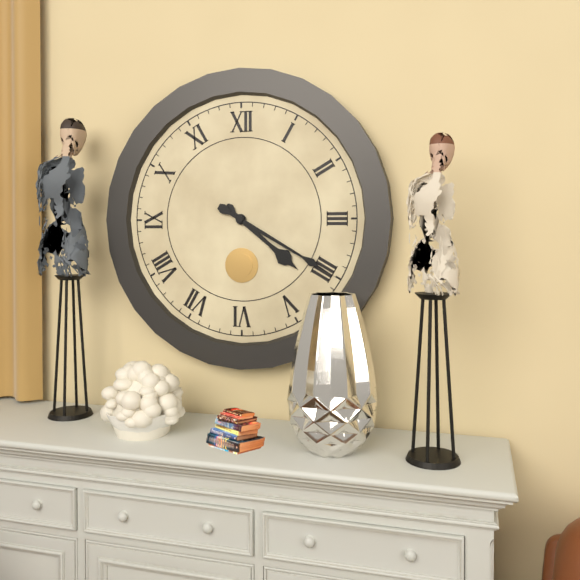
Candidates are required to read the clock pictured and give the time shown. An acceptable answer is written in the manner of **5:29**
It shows **4:20**
